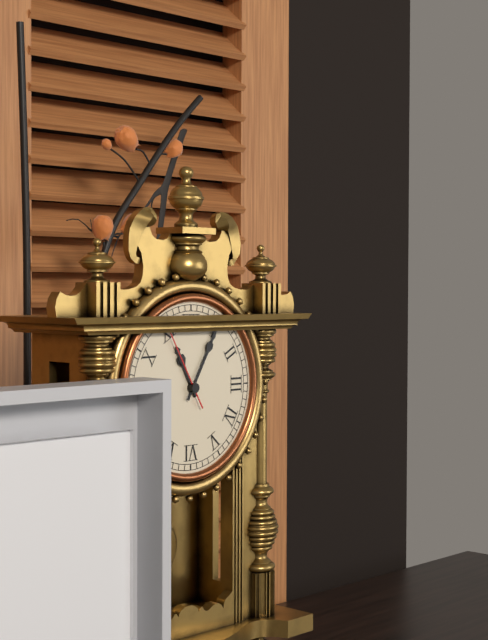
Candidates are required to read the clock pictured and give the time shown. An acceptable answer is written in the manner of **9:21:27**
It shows **11:05:55**
